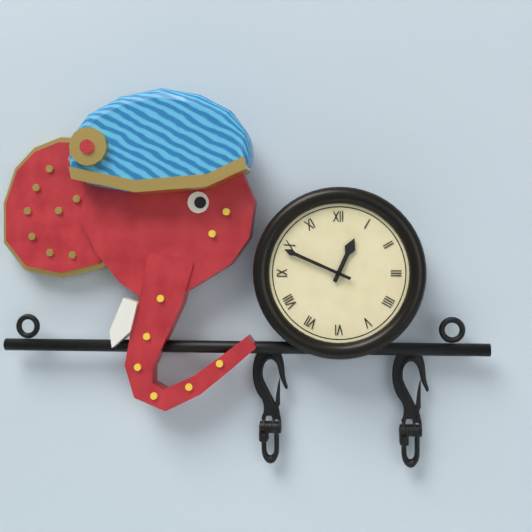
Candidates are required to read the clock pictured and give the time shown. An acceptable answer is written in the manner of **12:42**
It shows **12:49**
